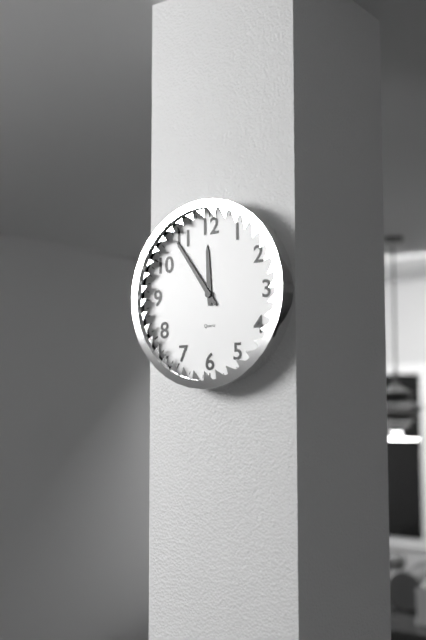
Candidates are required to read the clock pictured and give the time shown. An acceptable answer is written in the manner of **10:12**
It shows **11:54**
